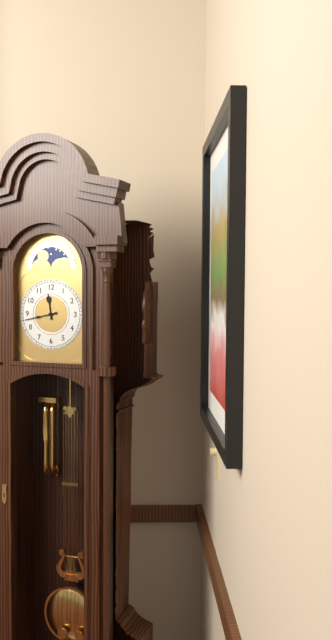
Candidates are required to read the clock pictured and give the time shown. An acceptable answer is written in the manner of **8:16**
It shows **11:43**
